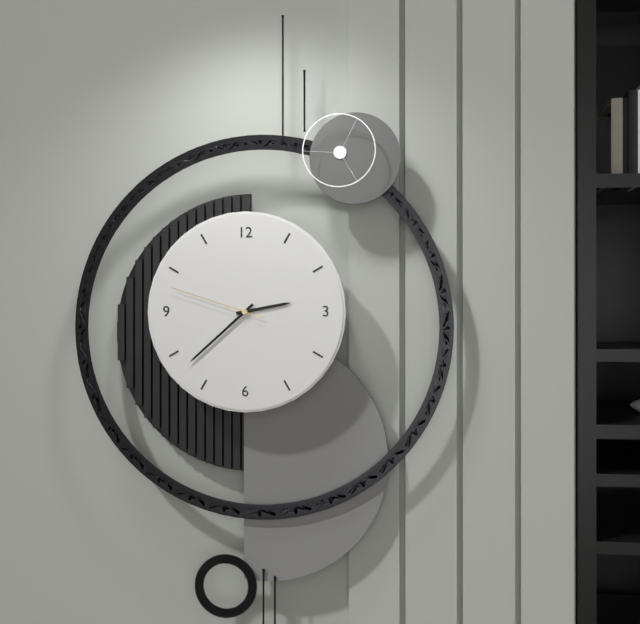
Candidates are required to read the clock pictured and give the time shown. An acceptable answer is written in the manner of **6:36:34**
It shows **2:38:48**
